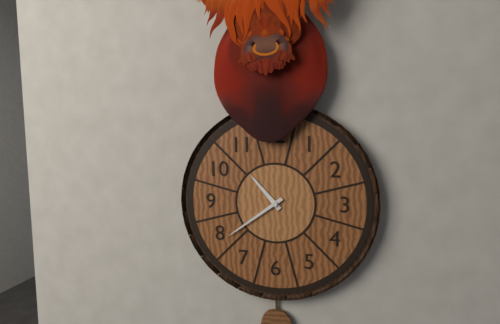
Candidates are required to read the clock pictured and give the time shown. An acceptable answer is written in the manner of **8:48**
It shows **10:39**
